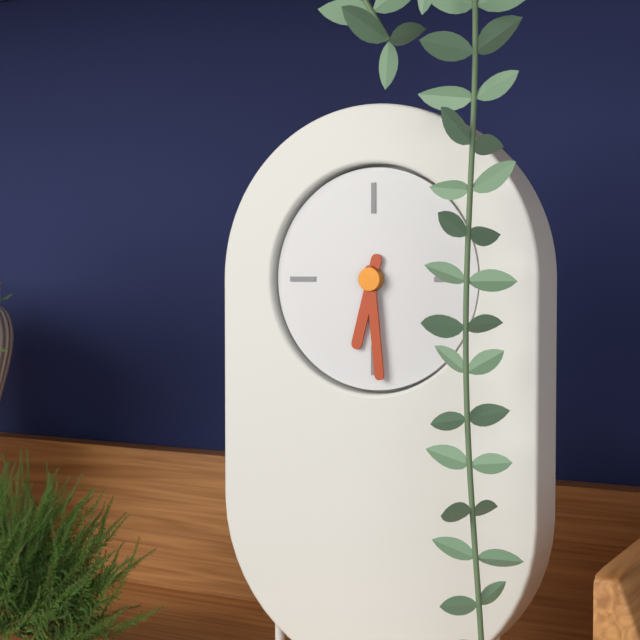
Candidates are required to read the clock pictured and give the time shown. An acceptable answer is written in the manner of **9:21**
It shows **6:29**
